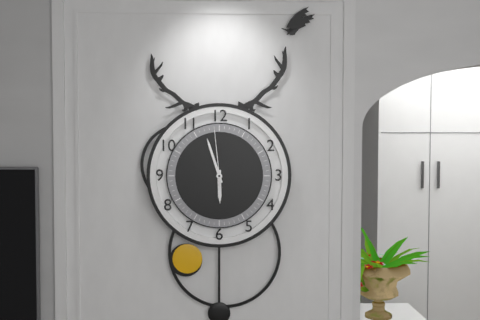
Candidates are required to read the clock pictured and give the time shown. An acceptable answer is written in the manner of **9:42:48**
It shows **5:57:59**
